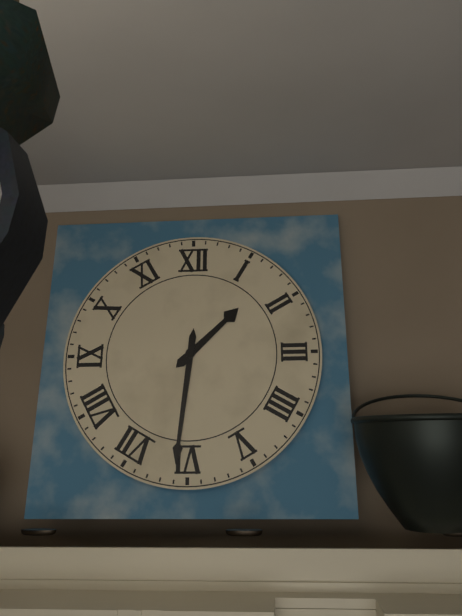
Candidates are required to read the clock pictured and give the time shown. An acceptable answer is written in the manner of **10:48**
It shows **1:31**
